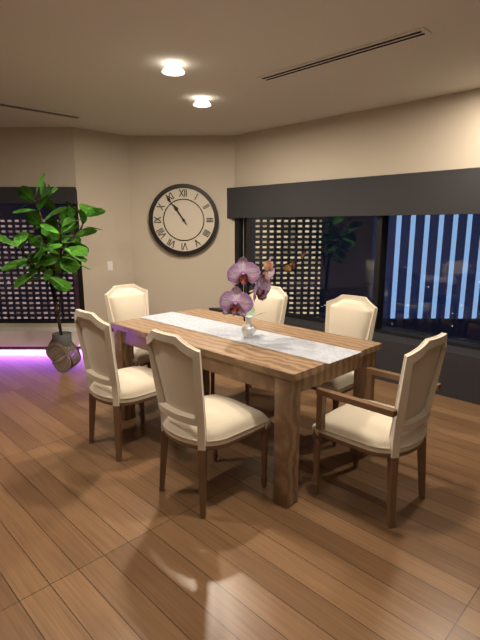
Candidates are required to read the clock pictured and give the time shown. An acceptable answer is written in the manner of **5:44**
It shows **10:54**
